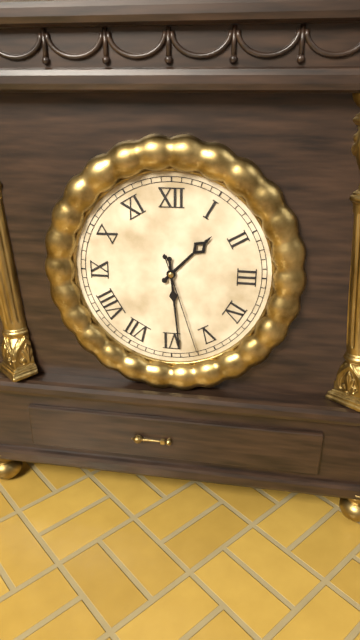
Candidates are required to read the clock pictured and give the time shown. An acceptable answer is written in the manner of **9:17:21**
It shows **1:29:27**
